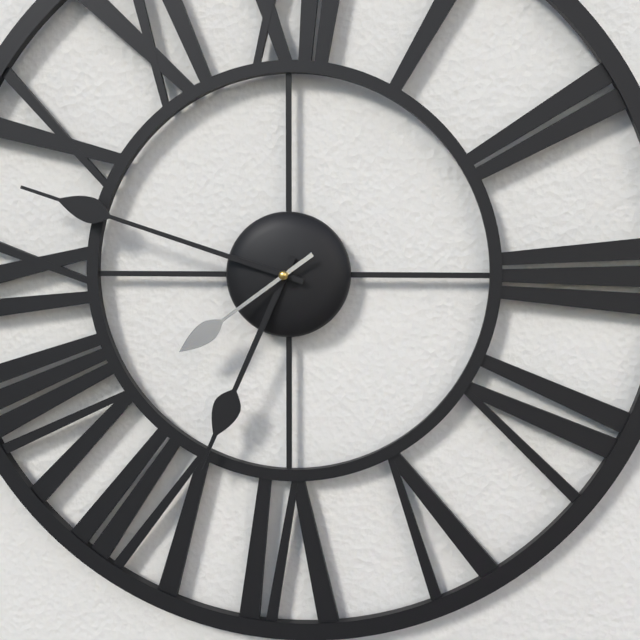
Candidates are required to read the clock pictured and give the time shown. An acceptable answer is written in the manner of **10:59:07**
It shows **6:48:39**
